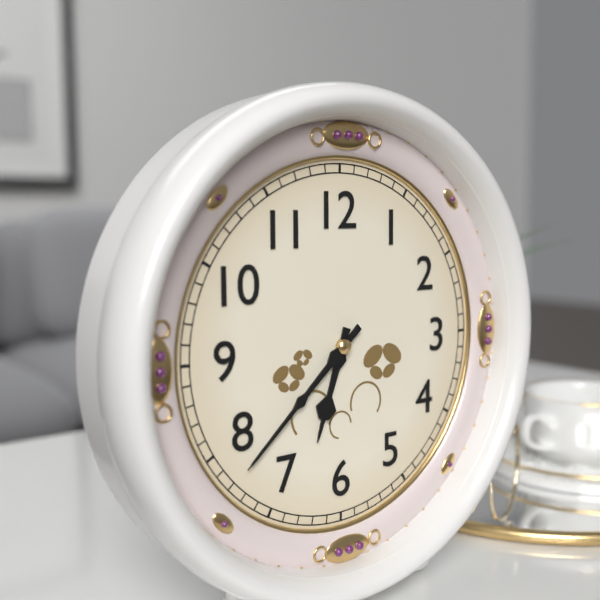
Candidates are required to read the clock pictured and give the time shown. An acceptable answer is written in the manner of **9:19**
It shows **6:38**
